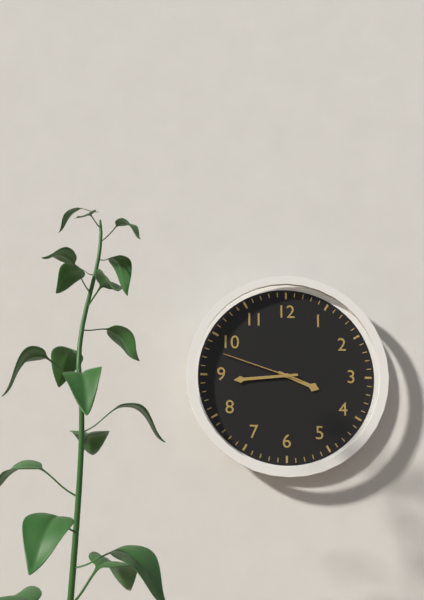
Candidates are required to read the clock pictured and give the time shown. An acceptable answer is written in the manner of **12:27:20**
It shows **3:44:48**
